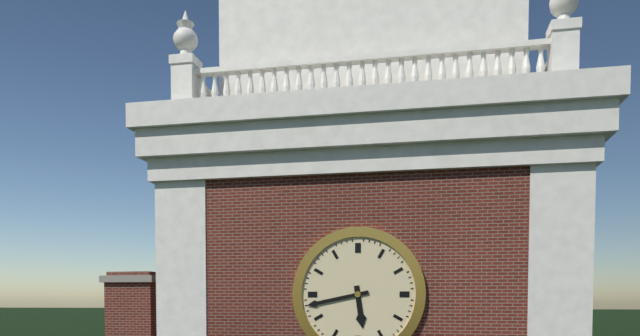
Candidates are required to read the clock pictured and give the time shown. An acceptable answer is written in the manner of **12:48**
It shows **5:43**
